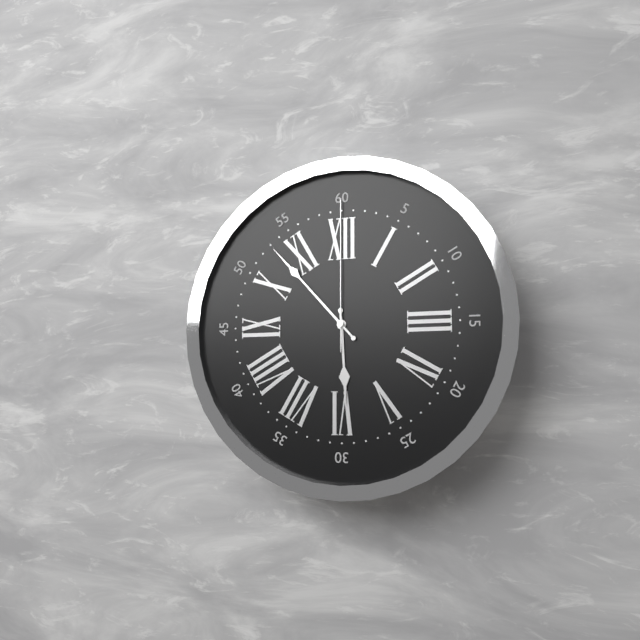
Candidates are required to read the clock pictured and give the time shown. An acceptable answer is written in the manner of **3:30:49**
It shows **5:53:00**
